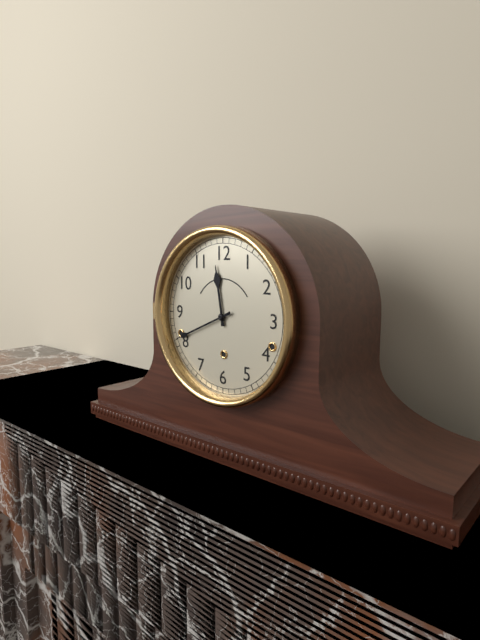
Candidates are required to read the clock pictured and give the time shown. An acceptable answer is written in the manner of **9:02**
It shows **11:41**
